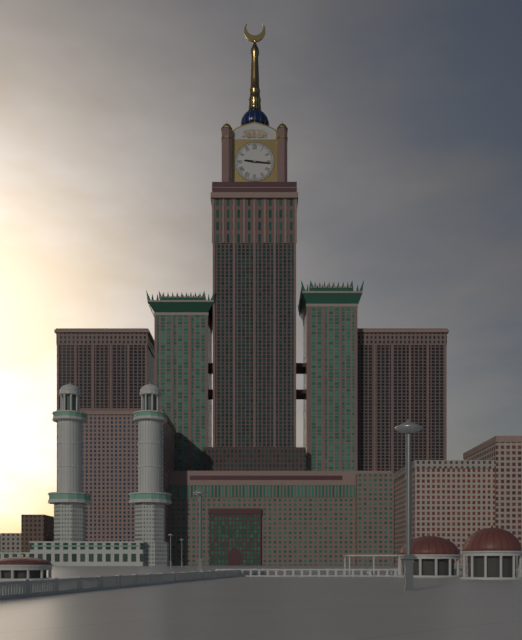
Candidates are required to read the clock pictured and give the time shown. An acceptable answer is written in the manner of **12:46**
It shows **9:16**
